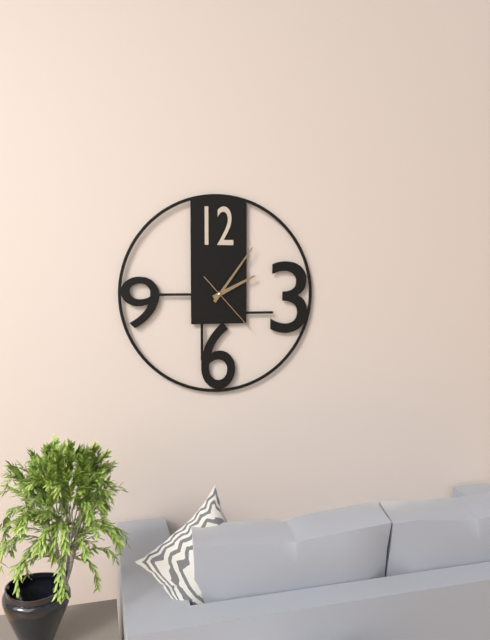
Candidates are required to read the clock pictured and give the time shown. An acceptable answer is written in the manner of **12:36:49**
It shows **2:06:23**
